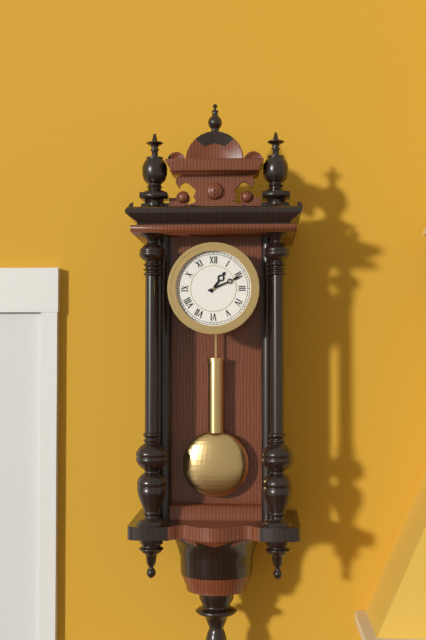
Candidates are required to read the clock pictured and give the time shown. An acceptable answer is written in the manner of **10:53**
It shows **1:11**
